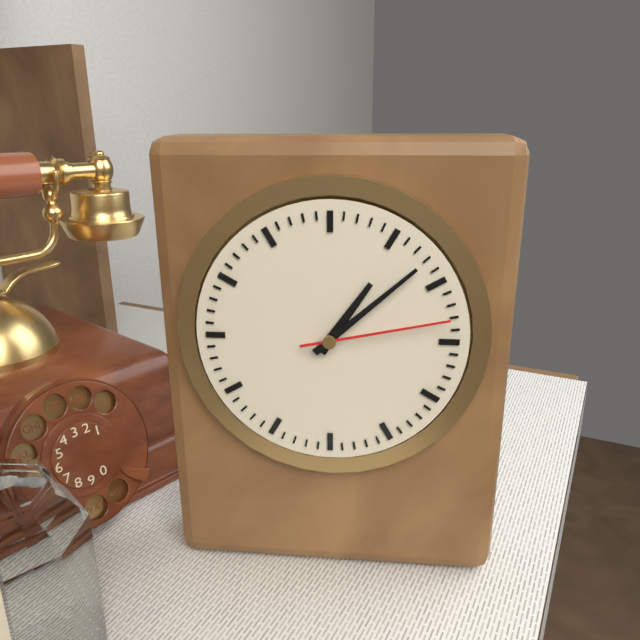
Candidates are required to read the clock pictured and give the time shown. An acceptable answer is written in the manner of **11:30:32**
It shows **1:08:13**
